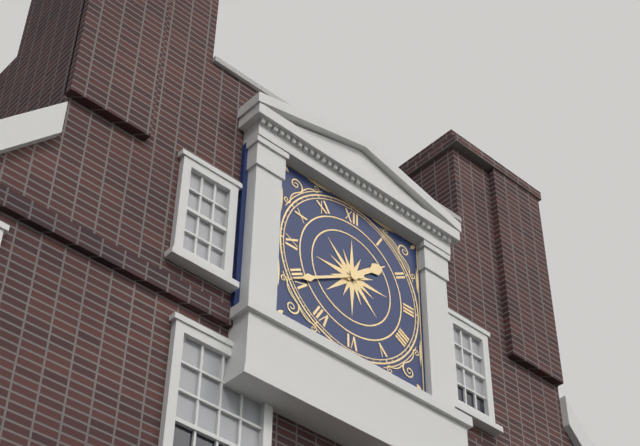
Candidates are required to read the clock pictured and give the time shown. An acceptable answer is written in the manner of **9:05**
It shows **1:40**
